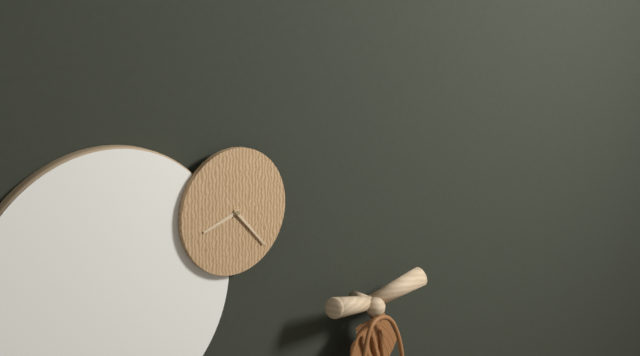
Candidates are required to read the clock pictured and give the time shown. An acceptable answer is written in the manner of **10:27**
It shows **8:23**
